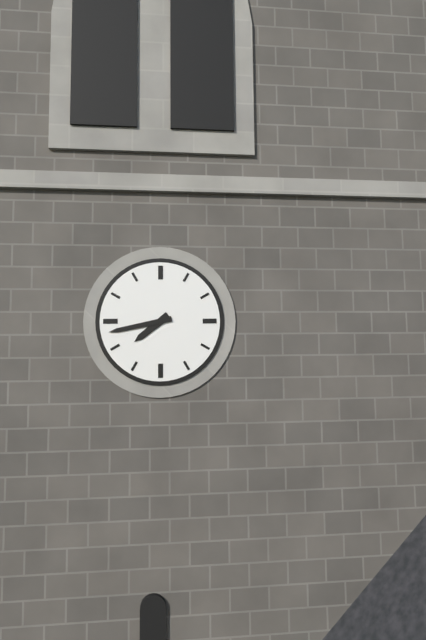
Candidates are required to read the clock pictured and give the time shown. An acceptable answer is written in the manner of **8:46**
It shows **7:43**
